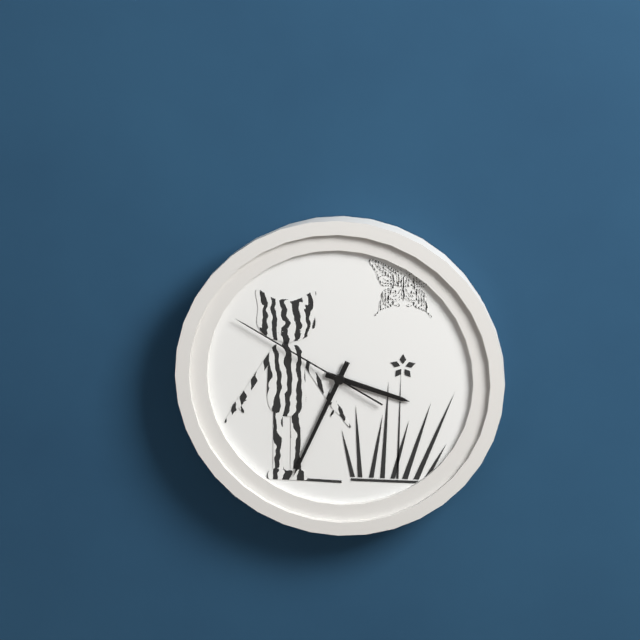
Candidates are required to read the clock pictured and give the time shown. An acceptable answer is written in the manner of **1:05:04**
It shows **3:34:50**
